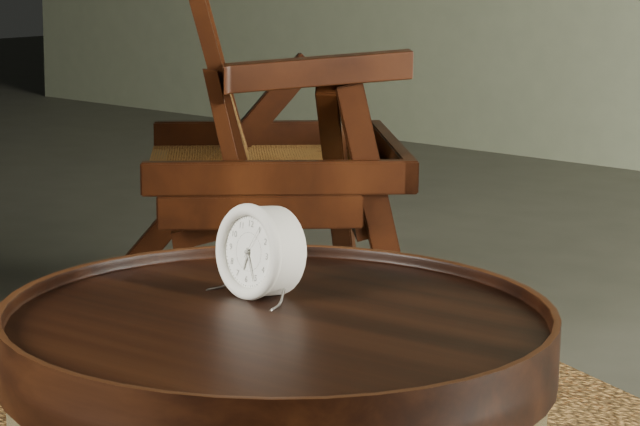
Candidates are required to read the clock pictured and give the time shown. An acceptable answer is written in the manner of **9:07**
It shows **6:26**
